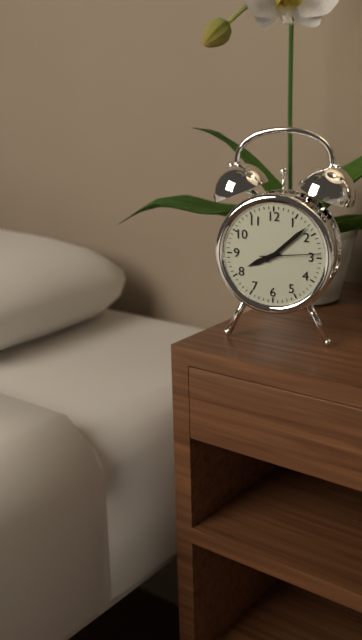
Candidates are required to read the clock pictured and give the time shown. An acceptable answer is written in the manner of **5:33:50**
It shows **8:08:14**
